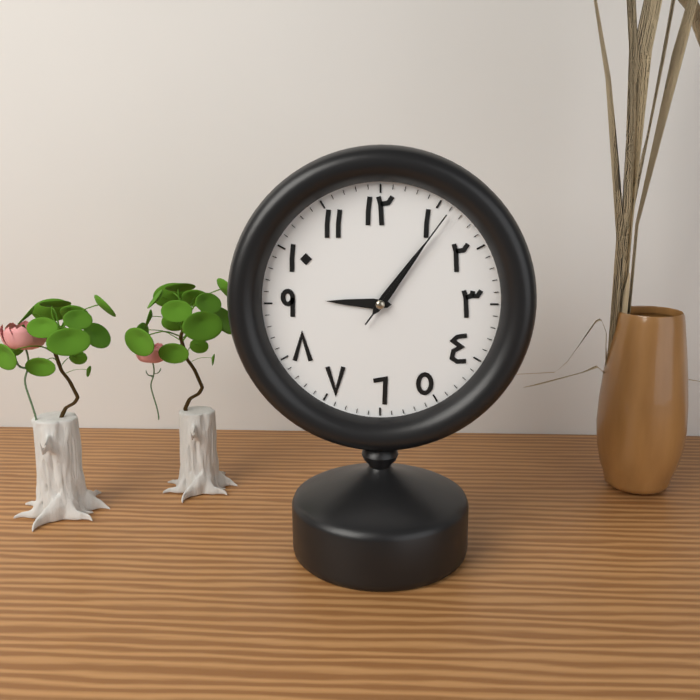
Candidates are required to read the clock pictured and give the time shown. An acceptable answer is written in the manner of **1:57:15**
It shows **9:06:06**
